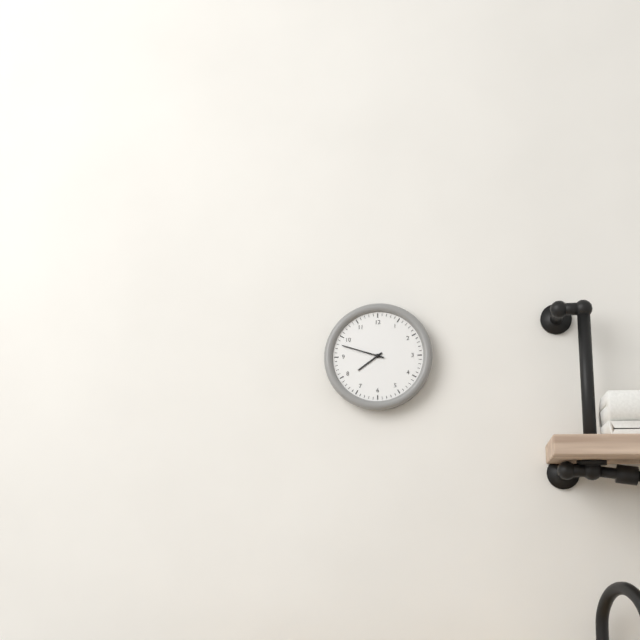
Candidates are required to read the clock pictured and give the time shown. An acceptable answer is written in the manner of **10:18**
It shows **7:48**
